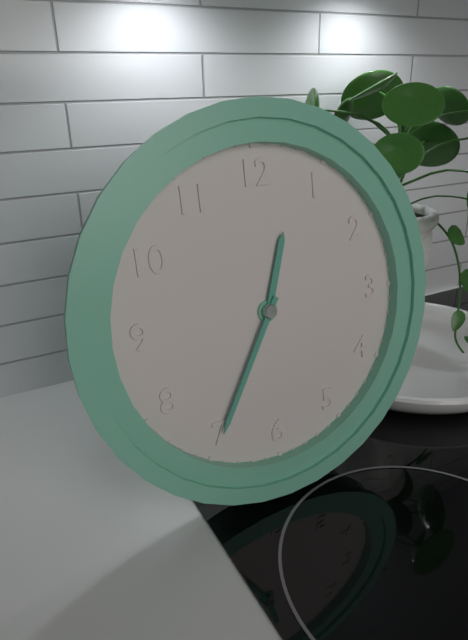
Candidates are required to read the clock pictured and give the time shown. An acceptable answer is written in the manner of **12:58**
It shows **12:35**
